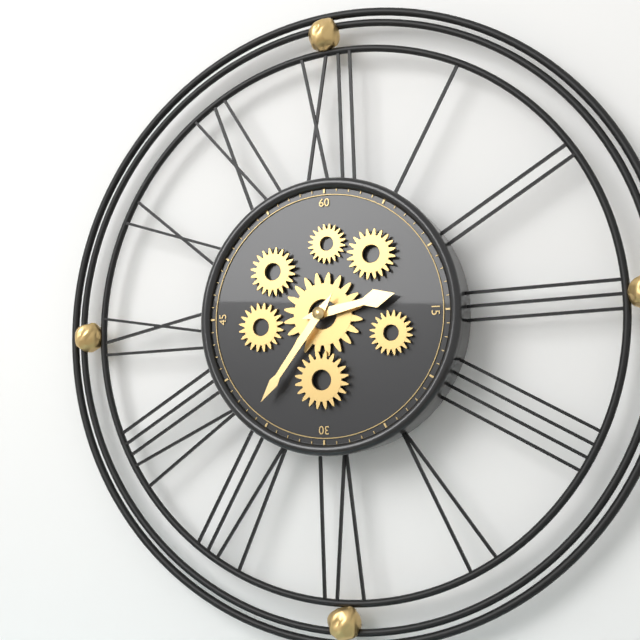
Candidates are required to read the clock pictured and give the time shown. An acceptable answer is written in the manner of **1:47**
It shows **2:36**
